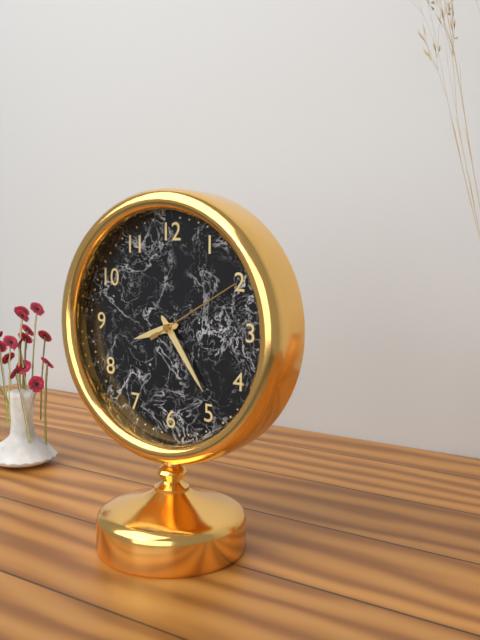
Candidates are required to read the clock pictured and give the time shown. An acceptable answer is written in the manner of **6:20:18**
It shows **8:24:10**
